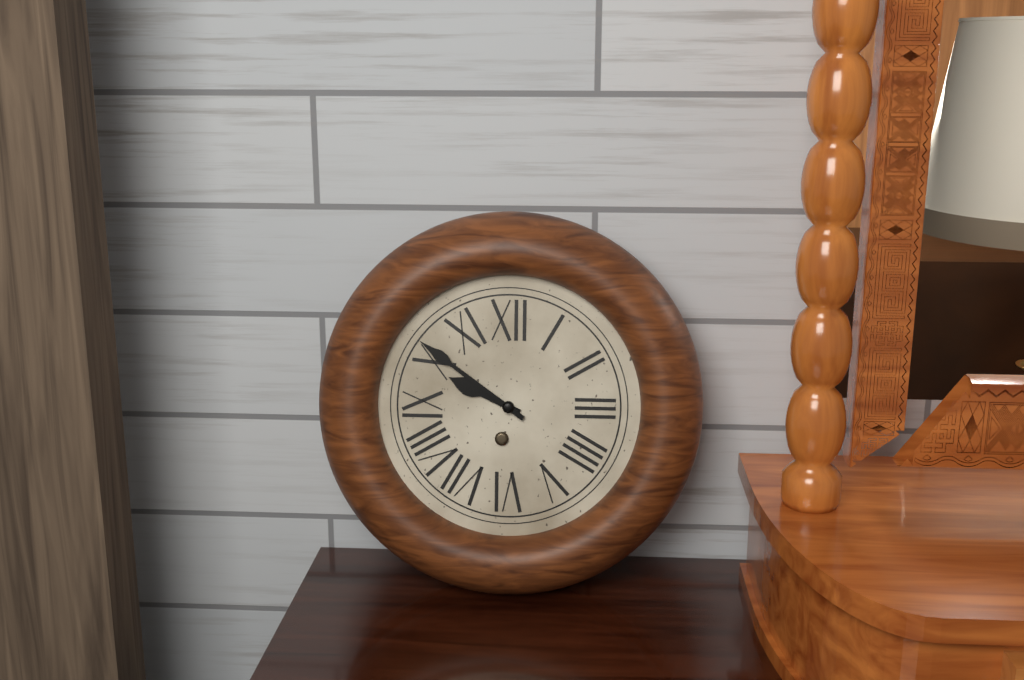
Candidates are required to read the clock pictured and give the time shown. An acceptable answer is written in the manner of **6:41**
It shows **9:51**
